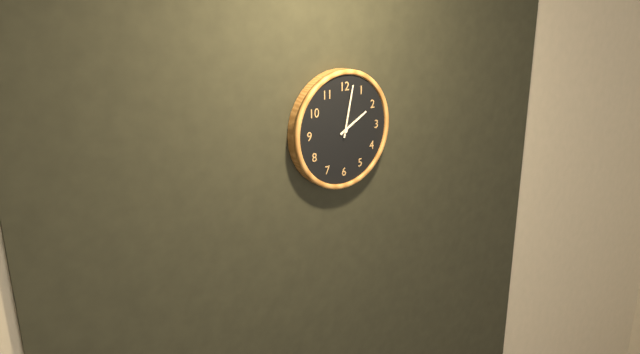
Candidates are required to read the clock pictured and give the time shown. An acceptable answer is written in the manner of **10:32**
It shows **2:02**
